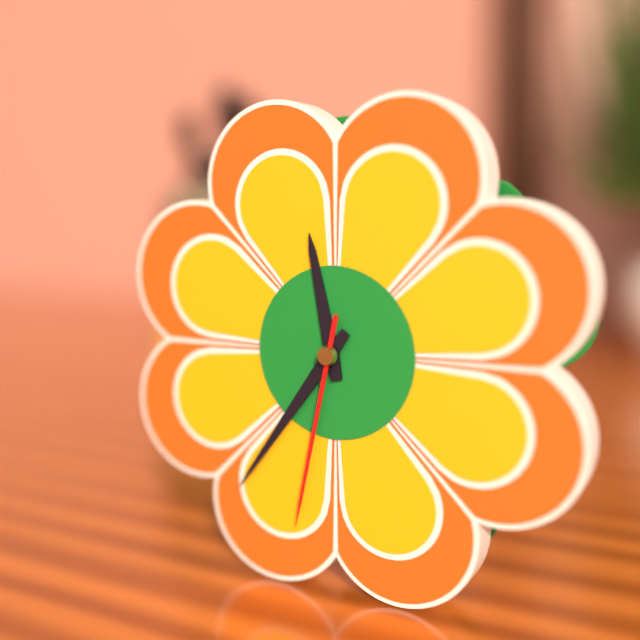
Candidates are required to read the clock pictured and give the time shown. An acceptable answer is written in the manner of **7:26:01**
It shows **11:36:32**
